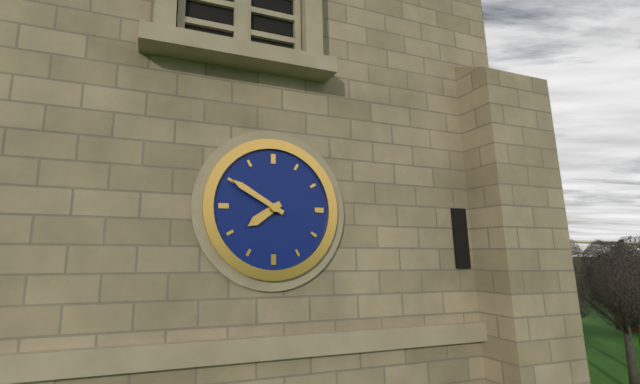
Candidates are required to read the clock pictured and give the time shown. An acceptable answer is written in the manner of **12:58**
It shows **7:50**
